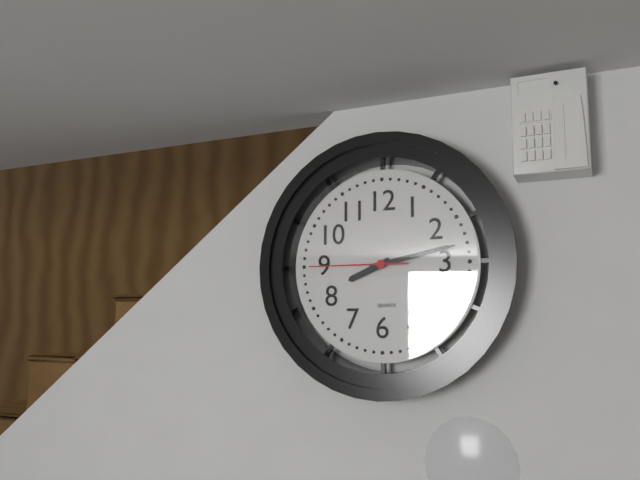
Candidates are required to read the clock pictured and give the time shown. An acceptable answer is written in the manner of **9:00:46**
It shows **8:13:45**
